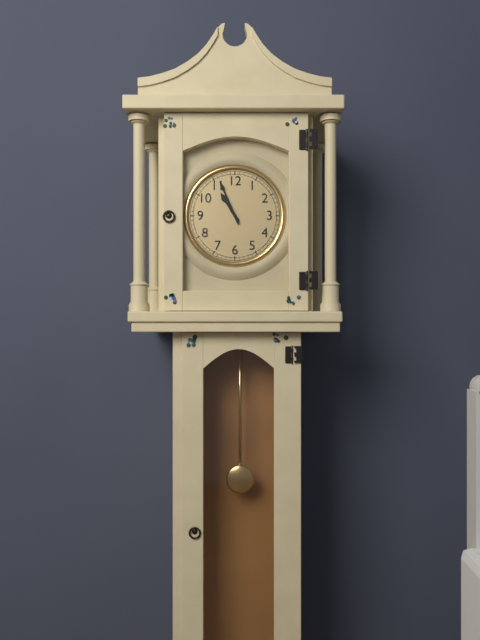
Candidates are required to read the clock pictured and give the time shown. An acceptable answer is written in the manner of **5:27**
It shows **10:56**
